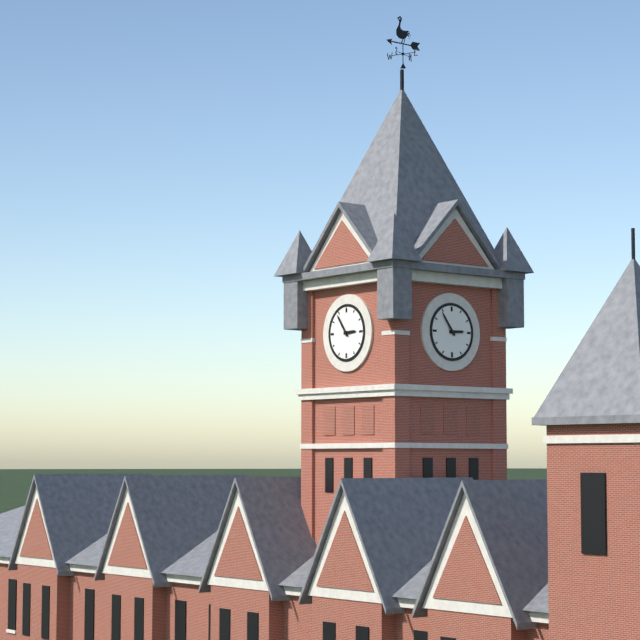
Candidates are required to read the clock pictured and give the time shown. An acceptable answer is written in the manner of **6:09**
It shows **2:54**
